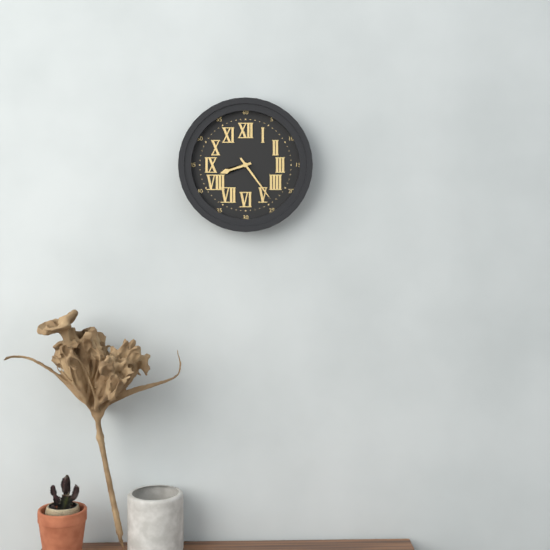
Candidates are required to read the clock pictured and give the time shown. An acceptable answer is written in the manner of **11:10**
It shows **8:24**
